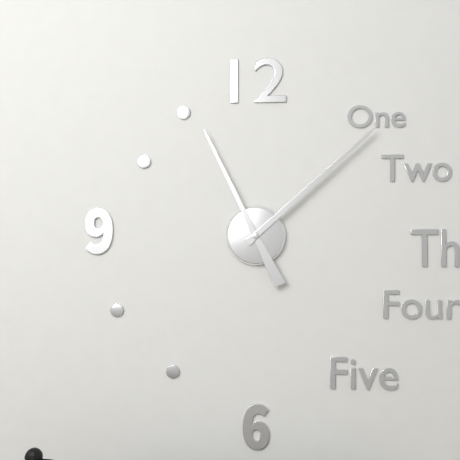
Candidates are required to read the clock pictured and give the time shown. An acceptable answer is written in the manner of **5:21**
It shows **11:08**
